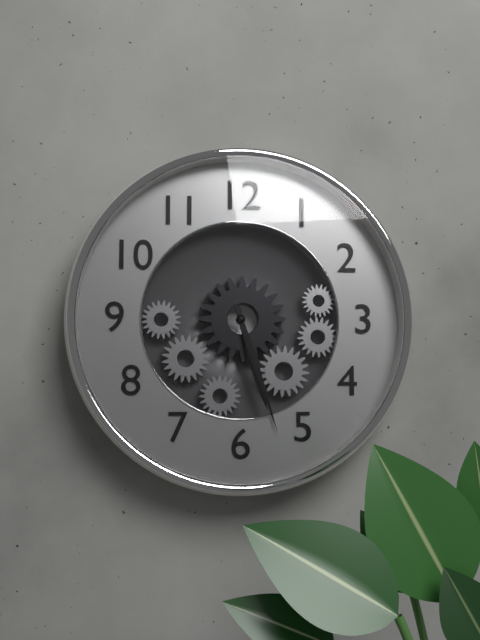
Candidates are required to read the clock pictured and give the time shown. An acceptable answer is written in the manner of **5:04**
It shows **5:27**
